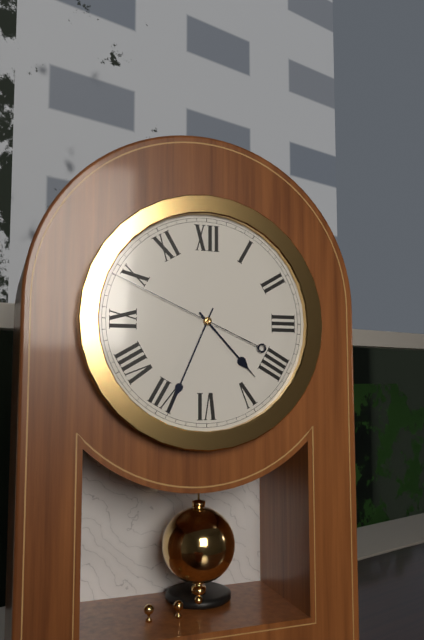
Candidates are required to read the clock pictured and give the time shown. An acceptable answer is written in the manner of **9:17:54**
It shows **4:34:49**
